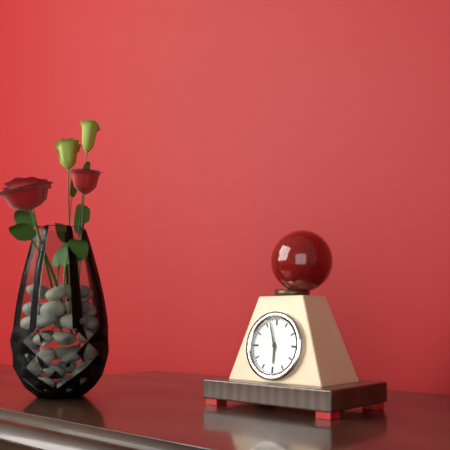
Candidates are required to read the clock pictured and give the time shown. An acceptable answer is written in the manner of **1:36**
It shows **5:57**
